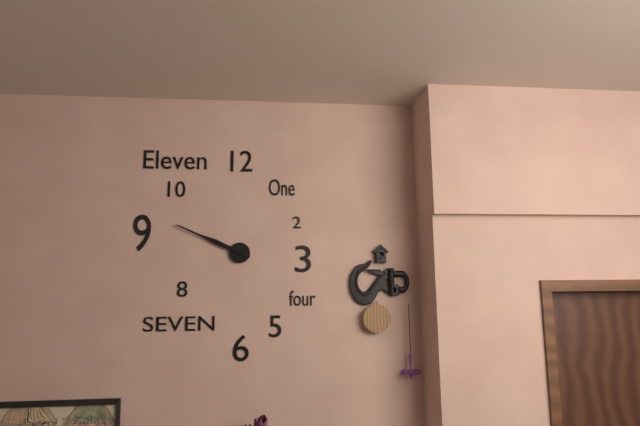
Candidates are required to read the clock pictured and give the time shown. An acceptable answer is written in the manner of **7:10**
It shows **9:49**
